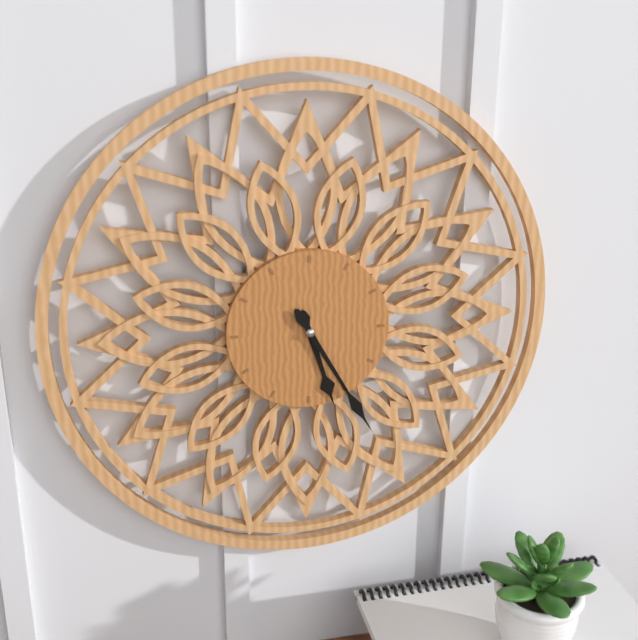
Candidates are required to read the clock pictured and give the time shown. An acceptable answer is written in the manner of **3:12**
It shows **5:25**
